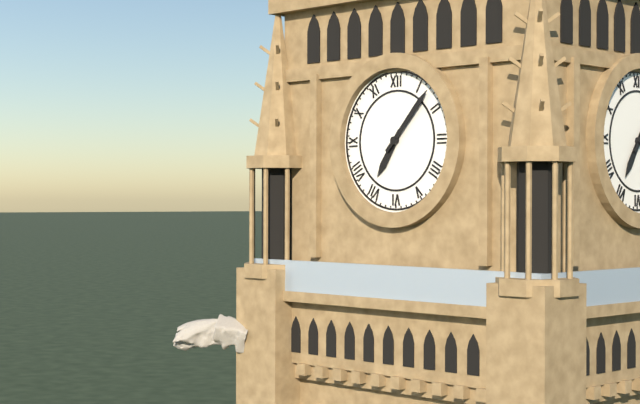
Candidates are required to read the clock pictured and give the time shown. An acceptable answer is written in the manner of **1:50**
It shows **7:07**
